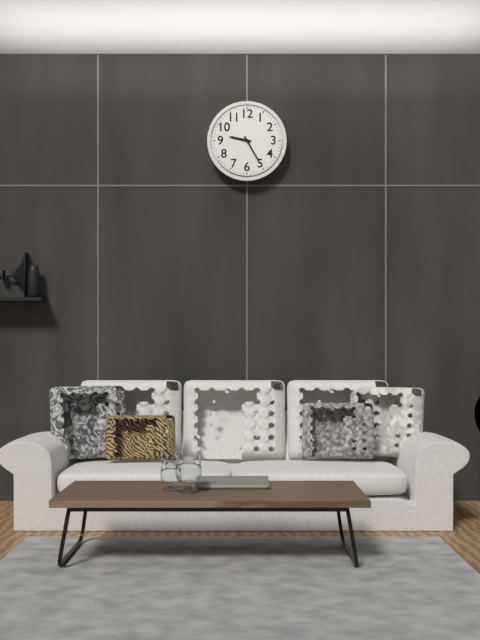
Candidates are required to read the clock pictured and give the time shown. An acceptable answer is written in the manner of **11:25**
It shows **9:25**
